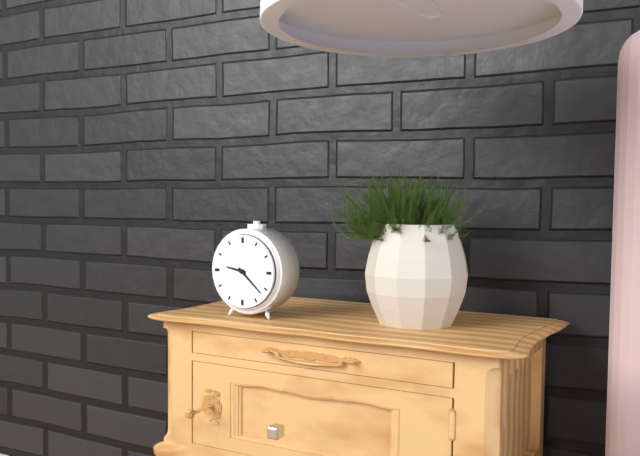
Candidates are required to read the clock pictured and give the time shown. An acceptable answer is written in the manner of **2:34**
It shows **9:22**
